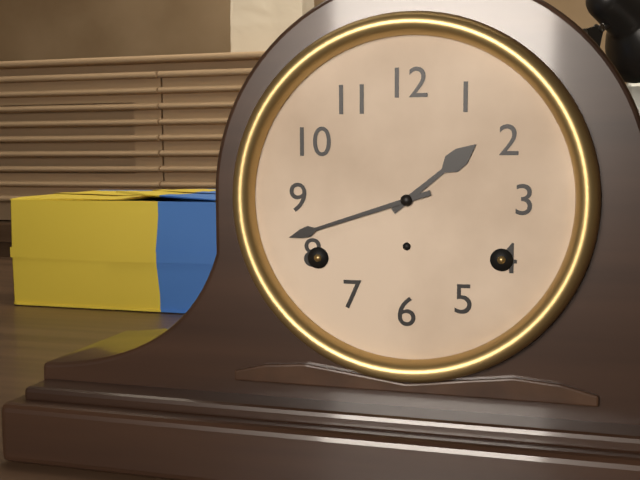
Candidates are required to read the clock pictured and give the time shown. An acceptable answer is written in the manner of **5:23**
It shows **1:42**
